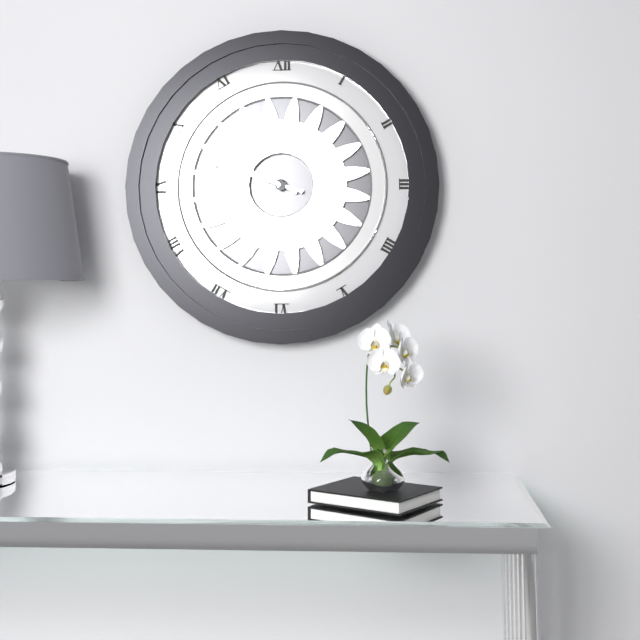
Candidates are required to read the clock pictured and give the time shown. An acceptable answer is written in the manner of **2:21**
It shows **9:48**
